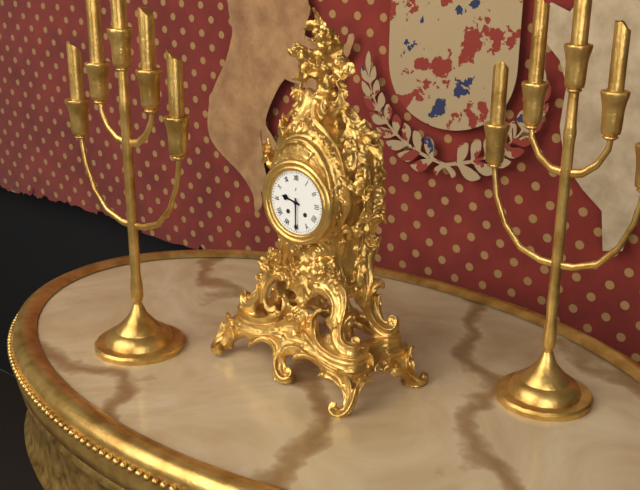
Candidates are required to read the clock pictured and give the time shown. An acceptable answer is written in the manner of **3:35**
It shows **9:30**
